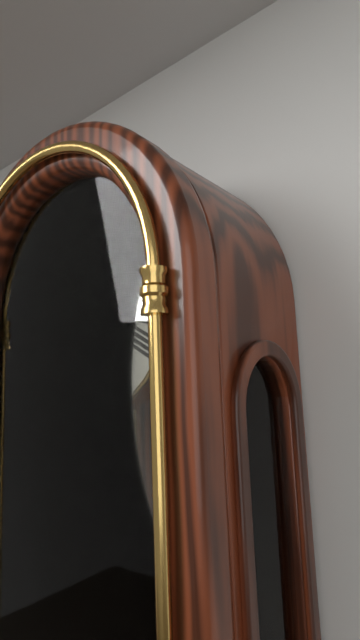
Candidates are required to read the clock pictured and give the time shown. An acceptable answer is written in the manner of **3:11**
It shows **9:18**
